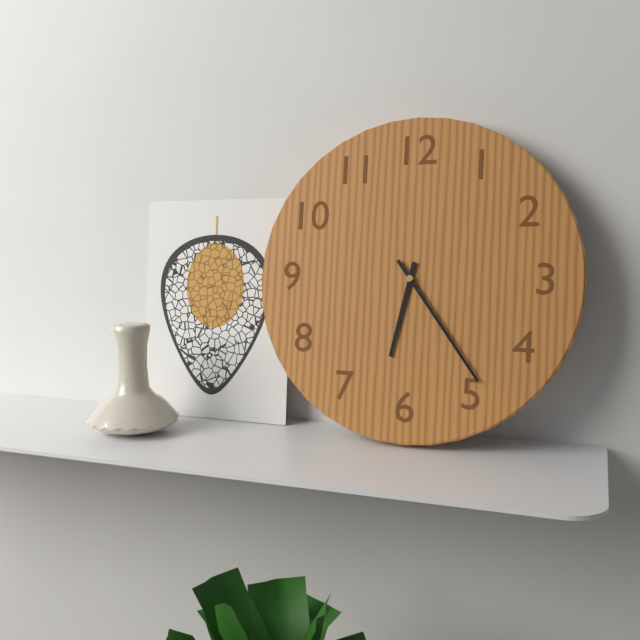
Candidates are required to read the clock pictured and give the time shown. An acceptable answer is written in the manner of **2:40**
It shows **6:24**
